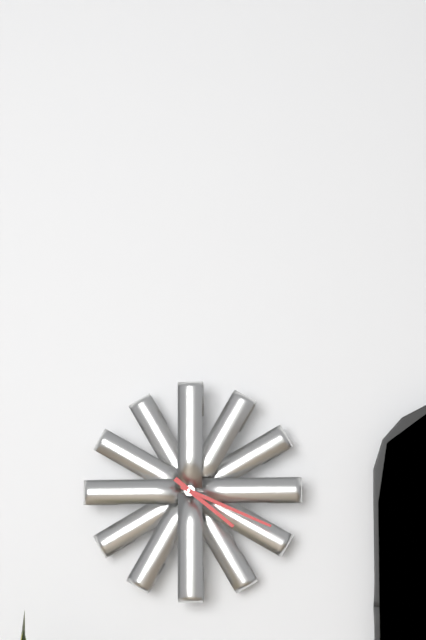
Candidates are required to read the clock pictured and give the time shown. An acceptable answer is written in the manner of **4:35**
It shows **4:19**
